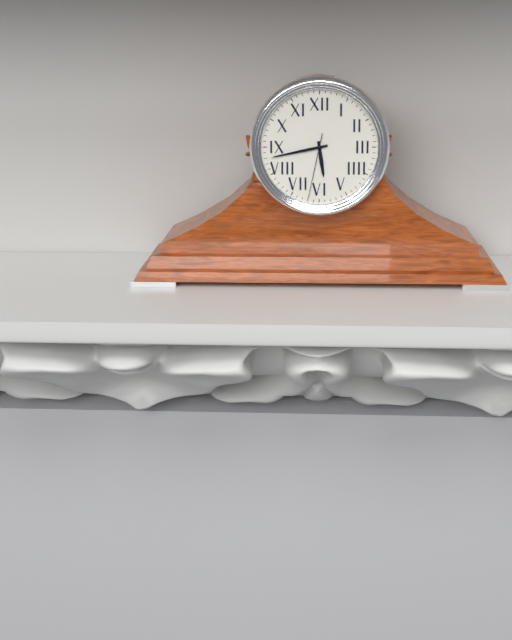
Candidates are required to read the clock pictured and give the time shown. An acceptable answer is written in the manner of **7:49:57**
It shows **5:43:32**
